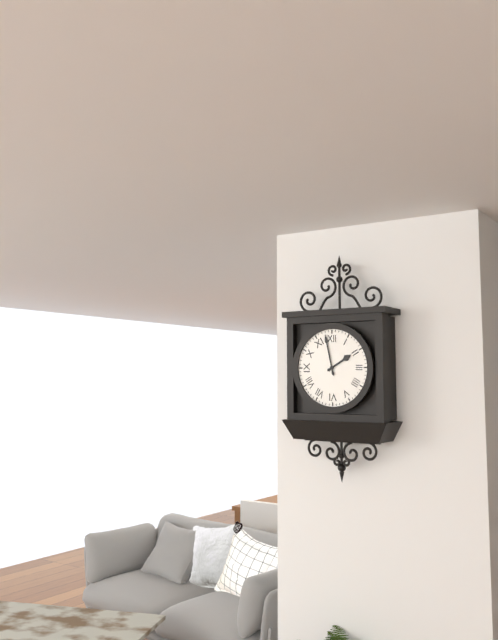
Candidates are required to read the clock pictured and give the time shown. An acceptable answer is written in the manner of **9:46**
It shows **1:58**
